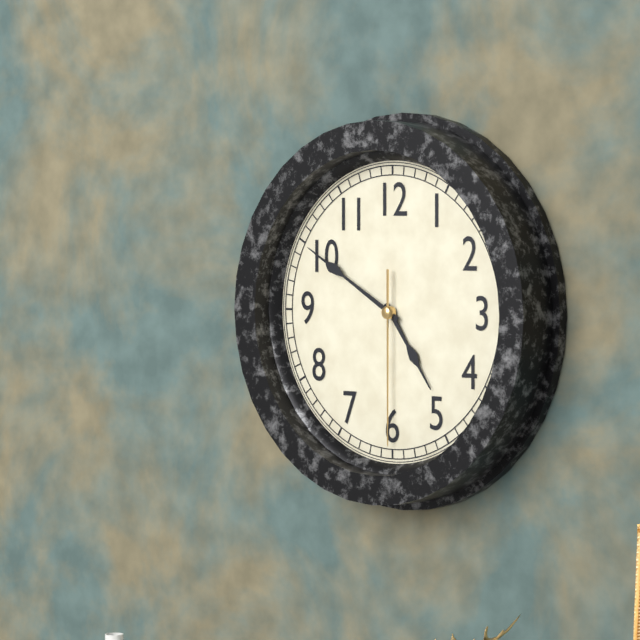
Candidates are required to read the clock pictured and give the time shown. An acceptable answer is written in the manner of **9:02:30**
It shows **4:50:30**
